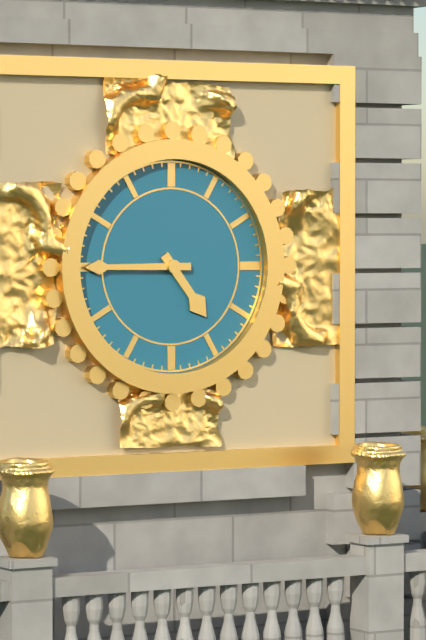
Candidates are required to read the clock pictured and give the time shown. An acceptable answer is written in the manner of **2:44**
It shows **4:45**
